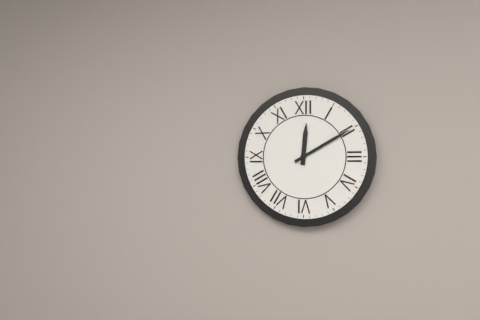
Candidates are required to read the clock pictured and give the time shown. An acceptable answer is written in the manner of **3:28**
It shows **12:10**
